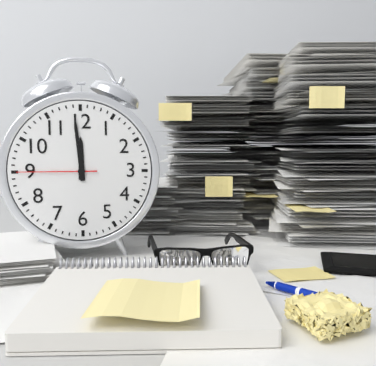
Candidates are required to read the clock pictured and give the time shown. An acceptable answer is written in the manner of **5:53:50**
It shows **11:59:45**
